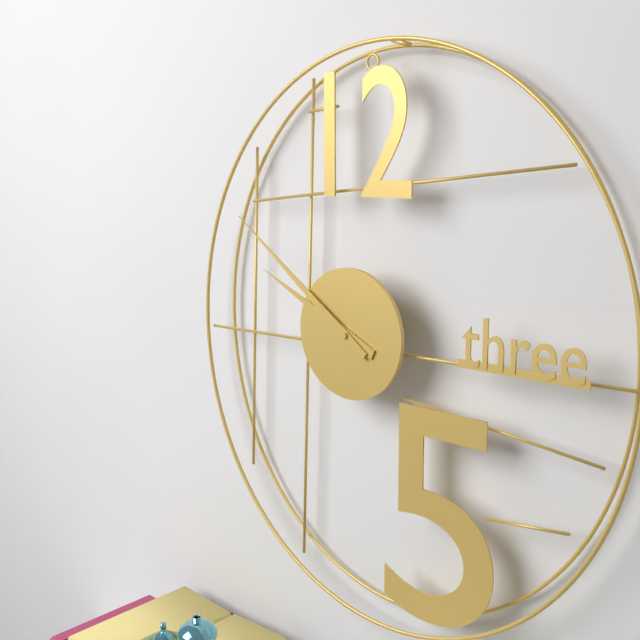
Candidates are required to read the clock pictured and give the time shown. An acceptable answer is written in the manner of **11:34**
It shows **9:51**
